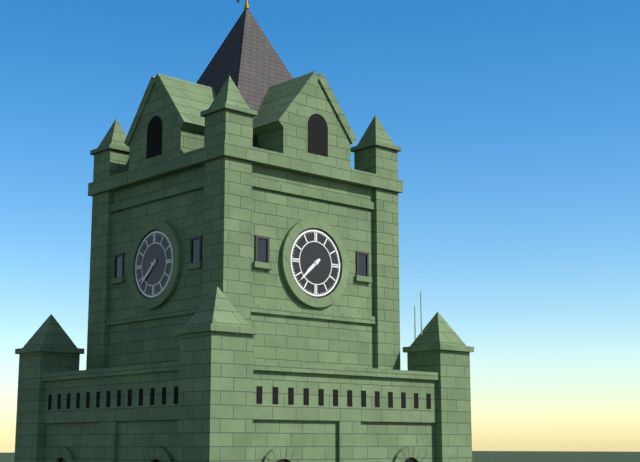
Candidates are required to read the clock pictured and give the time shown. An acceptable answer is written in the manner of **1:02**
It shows **7:38**
